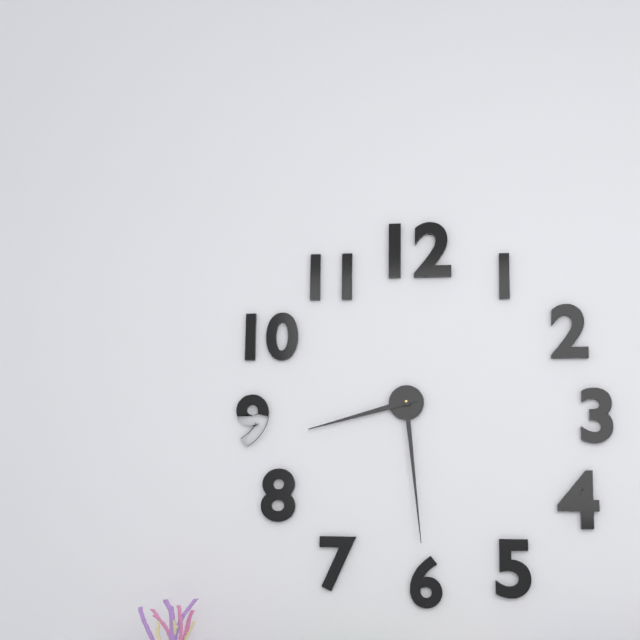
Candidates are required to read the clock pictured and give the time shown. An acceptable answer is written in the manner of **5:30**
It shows **8:29**
